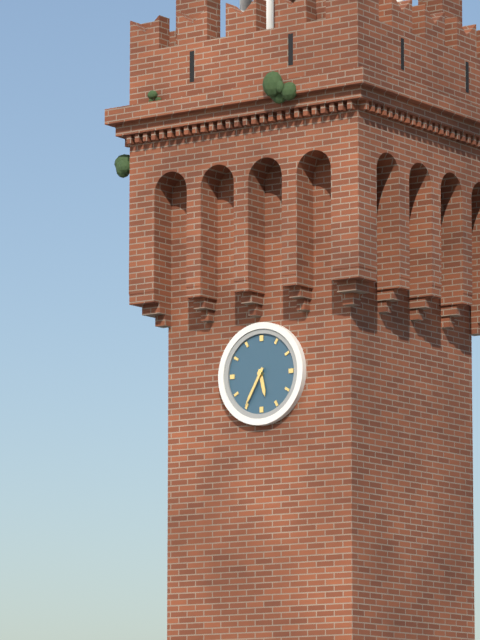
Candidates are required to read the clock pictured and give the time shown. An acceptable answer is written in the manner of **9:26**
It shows **5:35**
